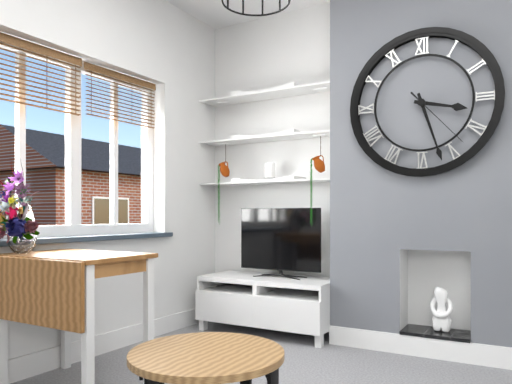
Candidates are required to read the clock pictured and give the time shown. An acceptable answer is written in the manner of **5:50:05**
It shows **3:27:23**
